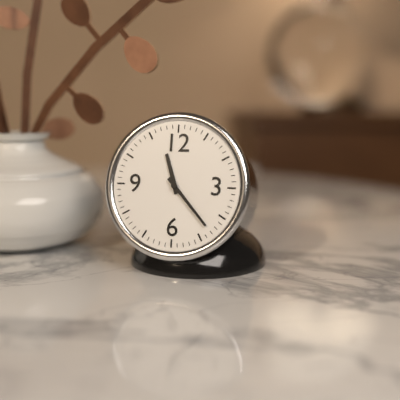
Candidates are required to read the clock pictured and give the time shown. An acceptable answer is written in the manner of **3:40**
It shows **11:23**
